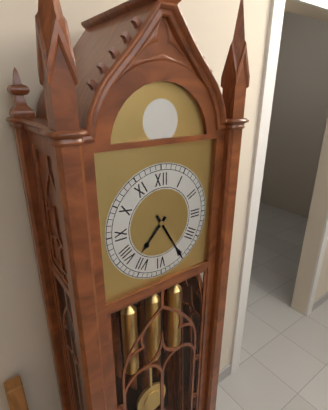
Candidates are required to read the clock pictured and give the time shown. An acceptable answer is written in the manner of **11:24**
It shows **7:25**
